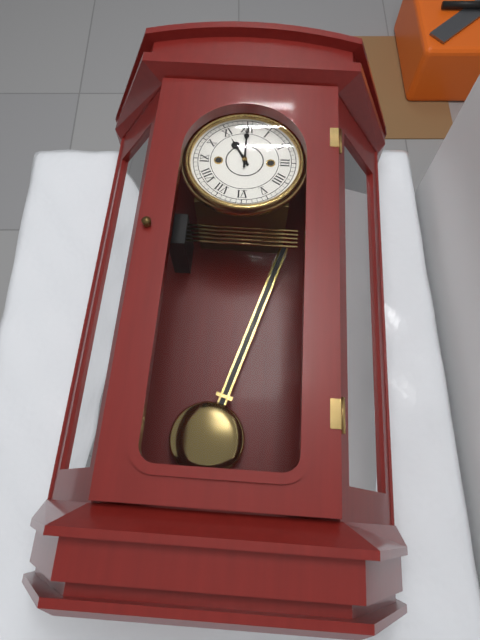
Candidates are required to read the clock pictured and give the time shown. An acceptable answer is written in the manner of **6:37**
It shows **11:00**
